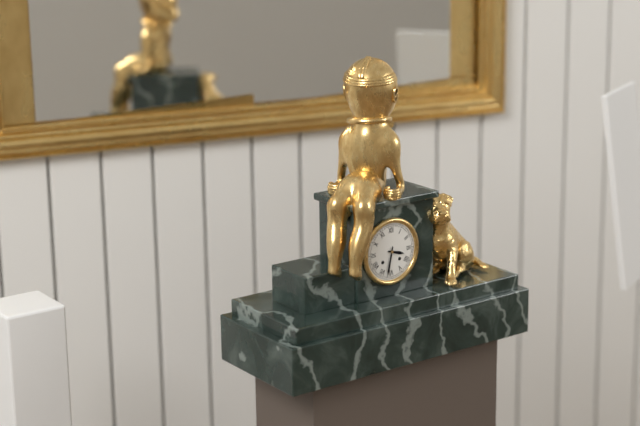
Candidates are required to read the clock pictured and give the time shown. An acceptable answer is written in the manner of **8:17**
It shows **3:32**
